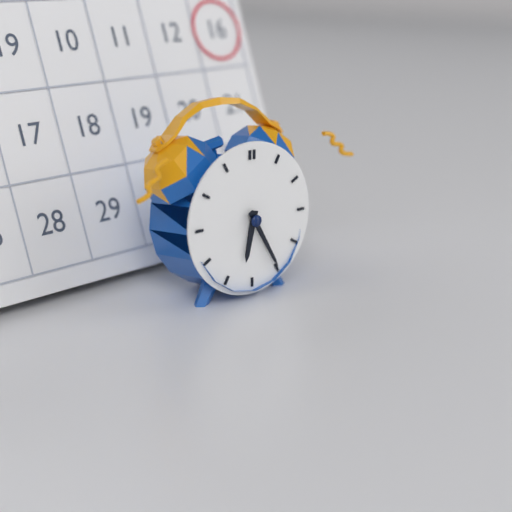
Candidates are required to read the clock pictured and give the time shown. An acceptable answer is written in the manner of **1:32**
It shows **6:25**
